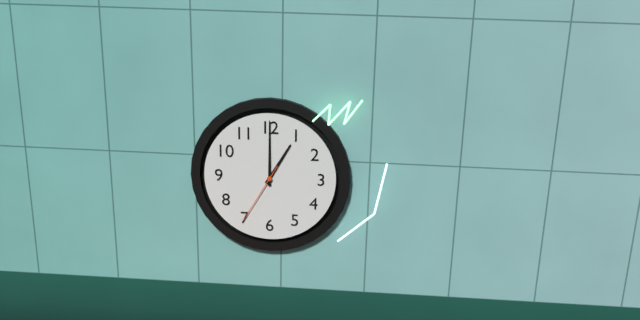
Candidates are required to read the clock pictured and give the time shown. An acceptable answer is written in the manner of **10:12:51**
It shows **1:00:35**
